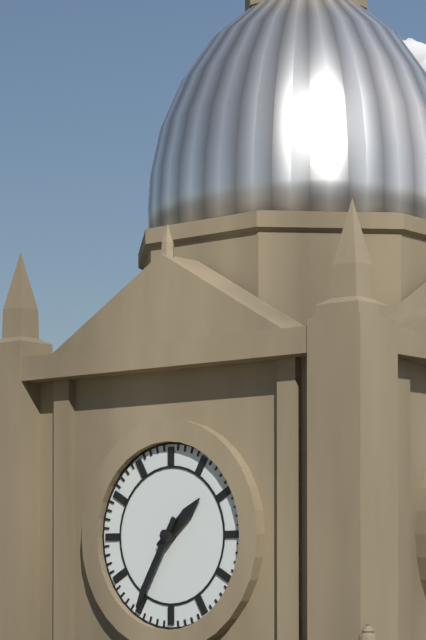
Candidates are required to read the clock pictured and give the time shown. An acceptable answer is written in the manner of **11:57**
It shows **1:35**
